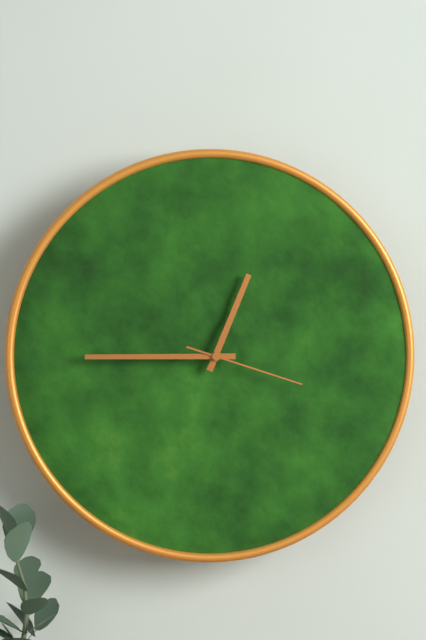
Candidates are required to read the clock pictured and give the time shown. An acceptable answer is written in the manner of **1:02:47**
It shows **12:45:18**
